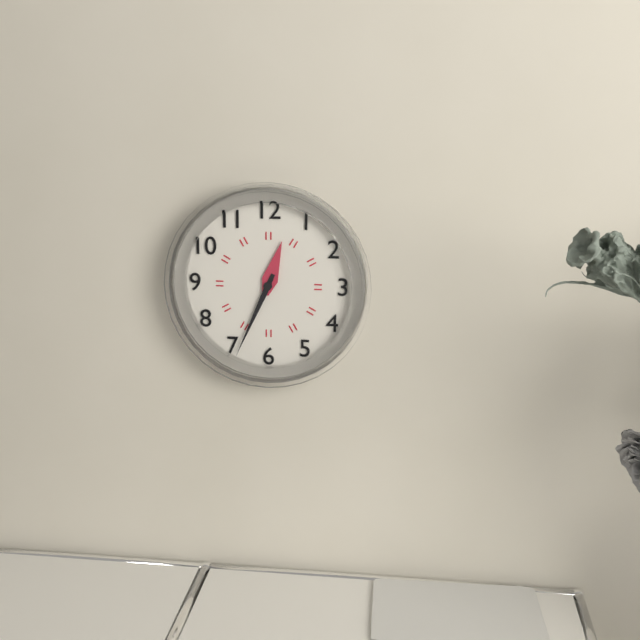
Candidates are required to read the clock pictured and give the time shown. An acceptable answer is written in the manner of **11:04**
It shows **12:34**
